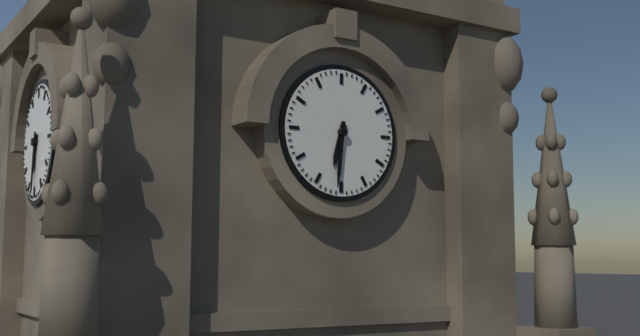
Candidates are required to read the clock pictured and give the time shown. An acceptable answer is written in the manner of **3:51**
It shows **6:31**
